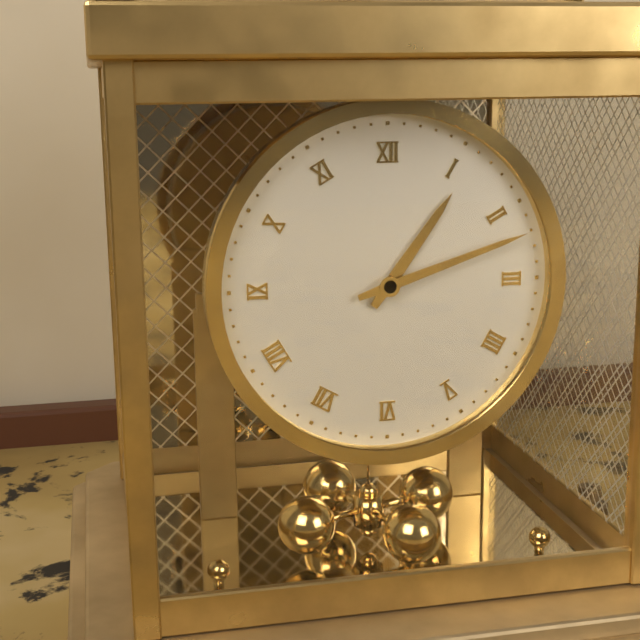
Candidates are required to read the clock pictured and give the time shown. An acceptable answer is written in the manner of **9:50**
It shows **1:12**
